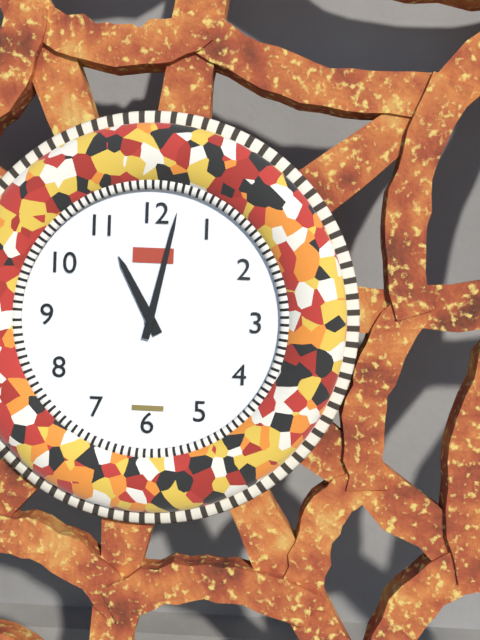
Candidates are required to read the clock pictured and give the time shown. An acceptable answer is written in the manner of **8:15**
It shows **11:02**
